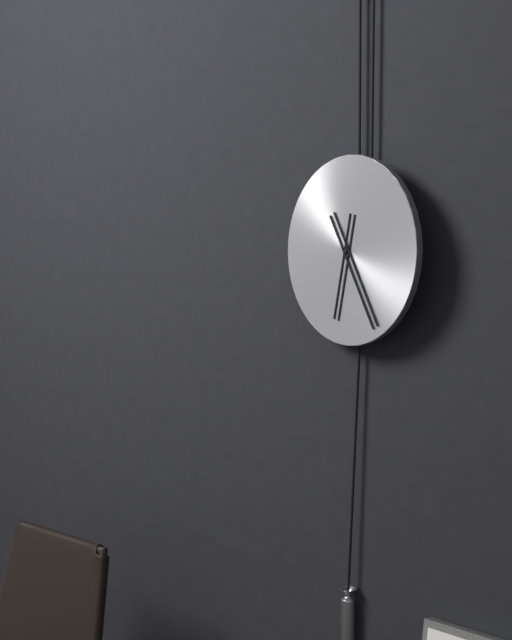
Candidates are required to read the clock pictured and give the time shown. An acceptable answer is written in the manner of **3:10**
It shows **6:25**
